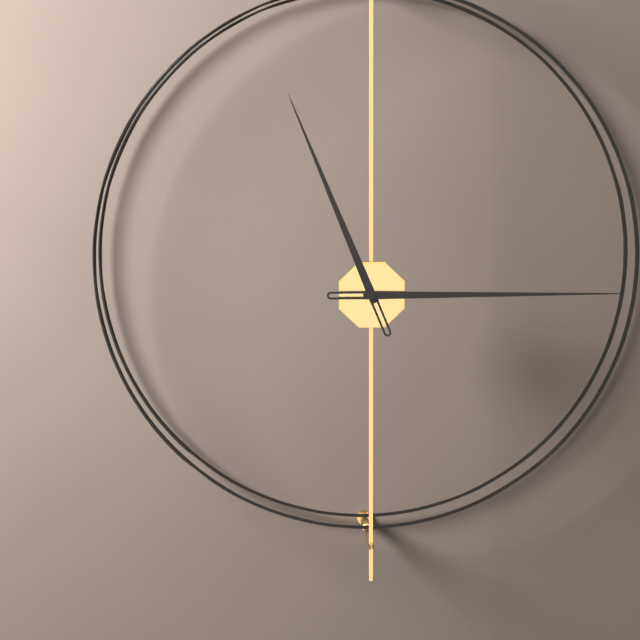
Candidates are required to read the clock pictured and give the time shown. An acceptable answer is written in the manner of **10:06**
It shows **11:15**
